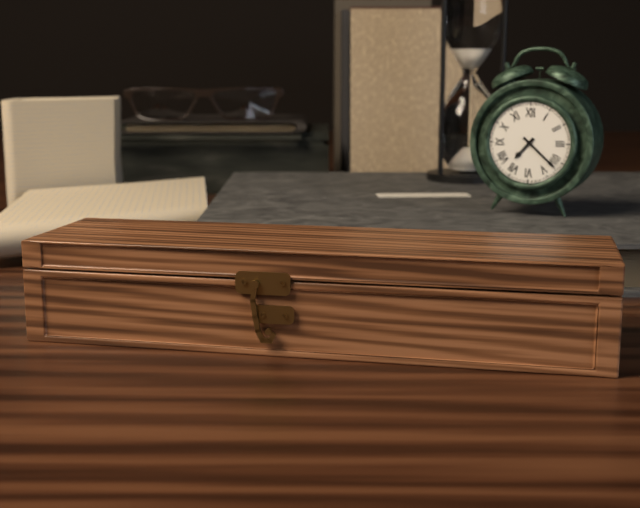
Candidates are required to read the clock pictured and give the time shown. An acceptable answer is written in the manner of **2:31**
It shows **7:22**
